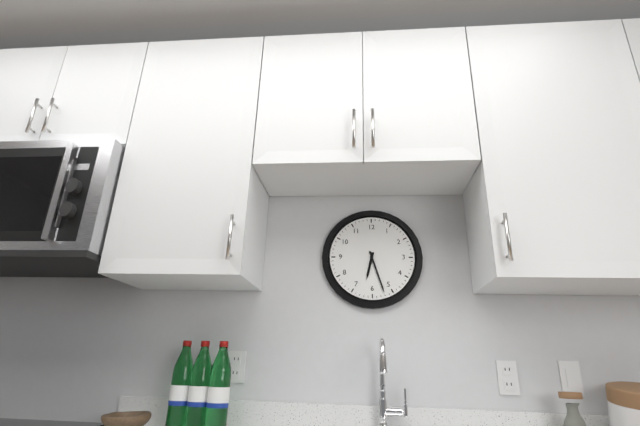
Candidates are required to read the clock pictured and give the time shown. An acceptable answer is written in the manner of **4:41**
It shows **6:27**
